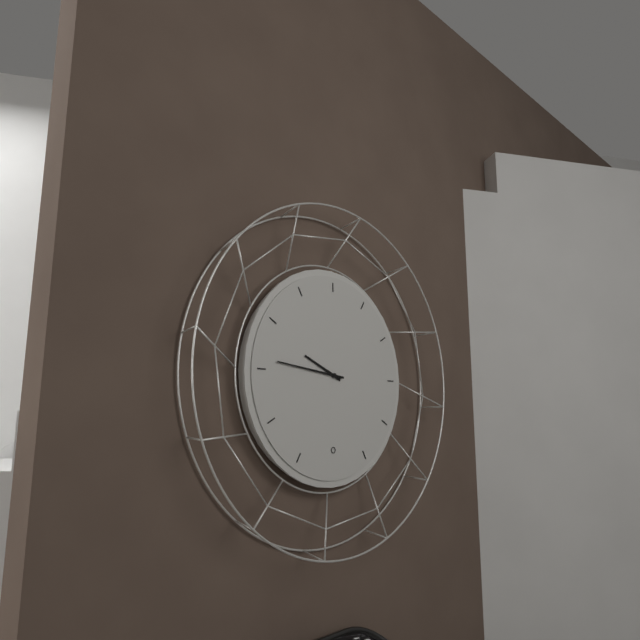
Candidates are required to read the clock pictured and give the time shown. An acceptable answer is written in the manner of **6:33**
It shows **9:46**
